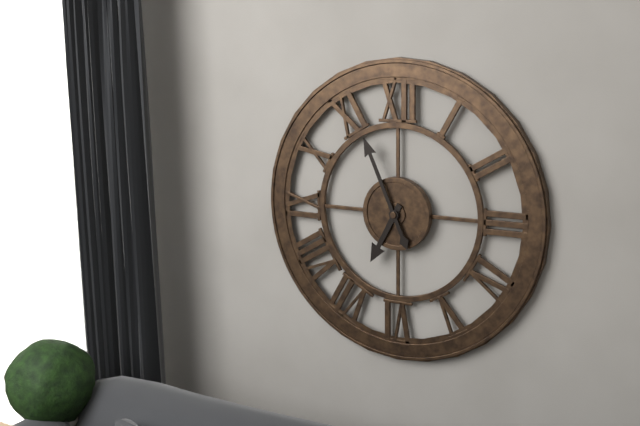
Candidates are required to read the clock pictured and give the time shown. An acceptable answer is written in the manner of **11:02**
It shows **6:56**
